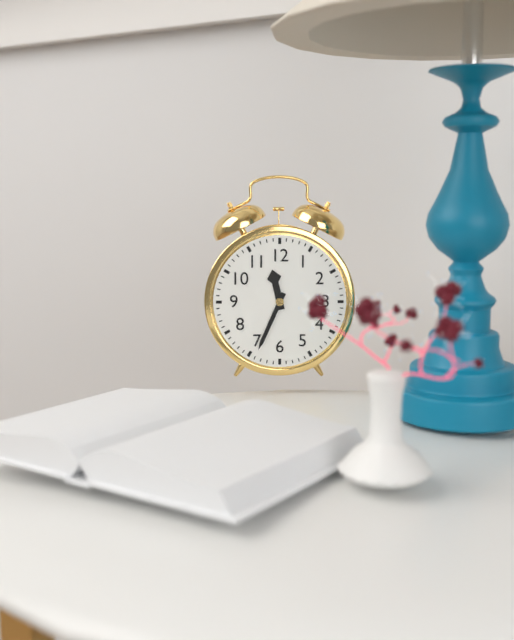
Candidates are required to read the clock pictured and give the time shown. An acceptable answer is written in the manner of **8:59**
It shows **11:34**
